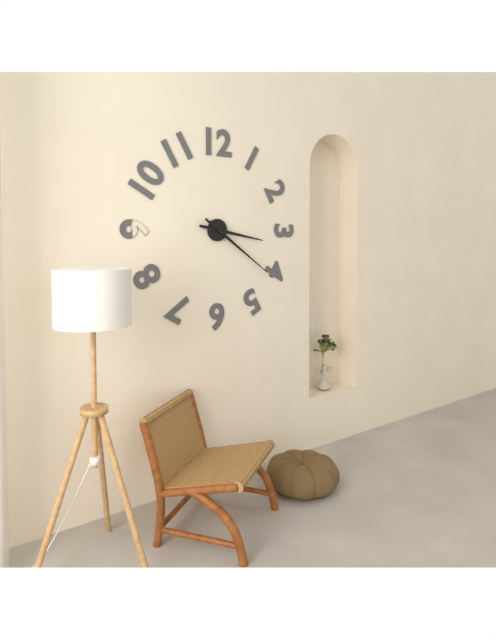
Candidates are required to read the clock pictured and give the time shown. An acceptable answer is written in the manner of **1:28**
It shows **3:21**
